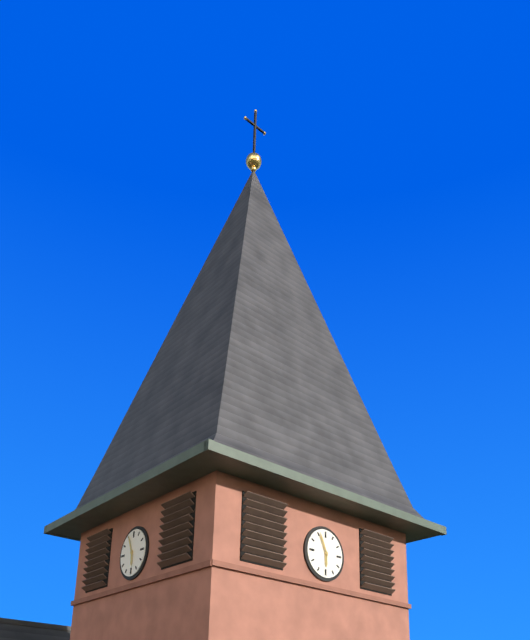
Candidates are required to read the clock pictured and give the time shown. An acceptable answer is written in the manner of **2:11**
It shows **5:56**
